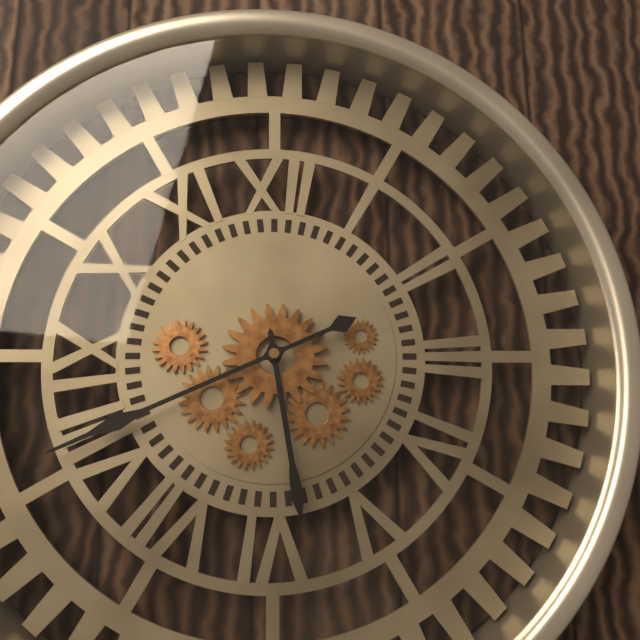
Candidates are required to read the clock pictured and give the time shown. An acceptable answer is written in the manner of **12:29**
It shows **5:41**
